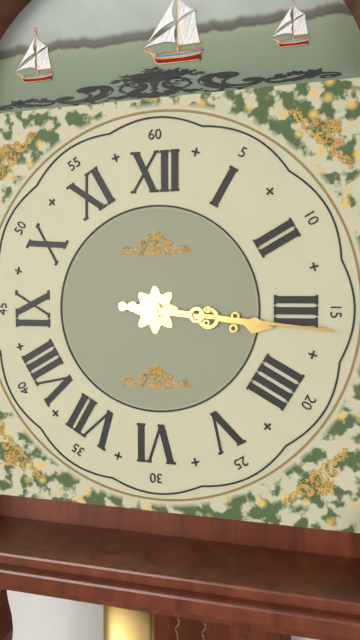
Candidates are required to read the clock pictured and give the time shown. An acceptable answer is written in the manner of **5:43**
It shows **3:16**
